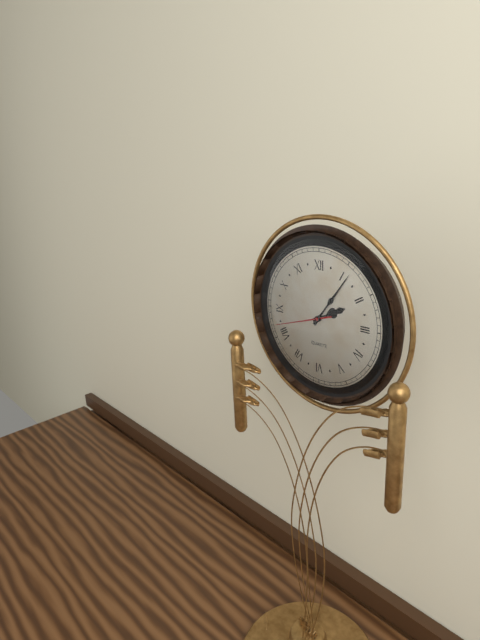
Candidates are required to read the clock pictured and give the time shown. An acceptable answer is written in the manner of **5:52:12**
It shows **2:06:42**
